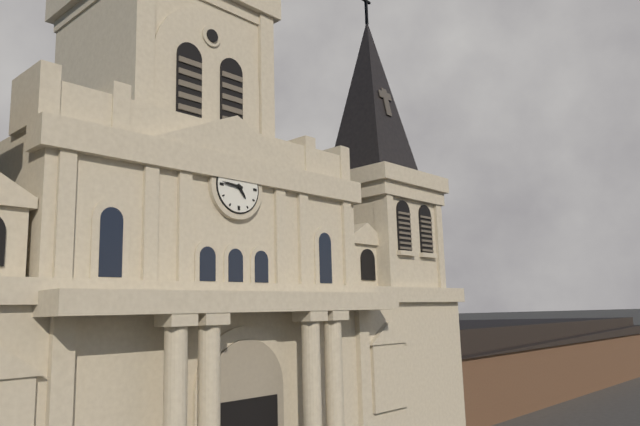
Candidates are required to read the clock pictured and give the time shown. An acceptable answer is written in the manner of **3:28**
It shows **4:46**
